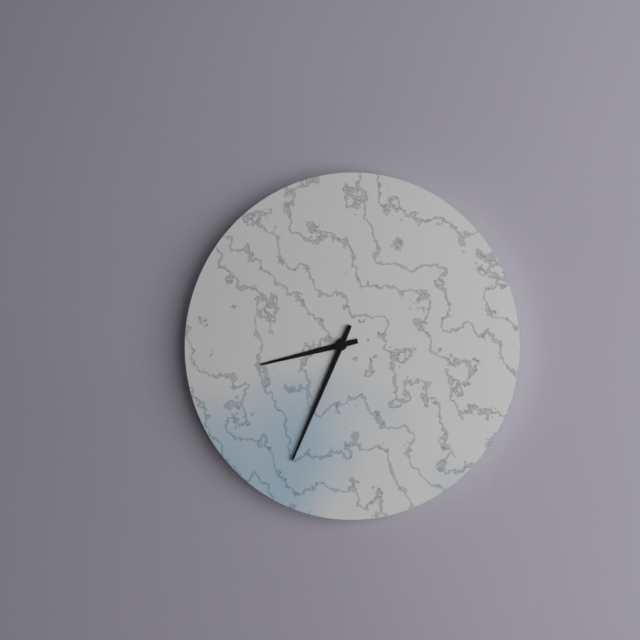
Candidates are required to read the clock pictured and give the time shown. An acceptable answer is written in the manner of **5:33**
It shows **8:34**
